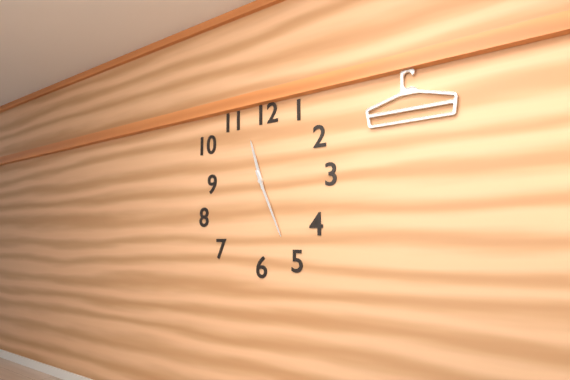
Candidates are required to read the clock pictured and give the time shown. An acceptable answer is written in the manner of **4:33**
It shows **11:26**
